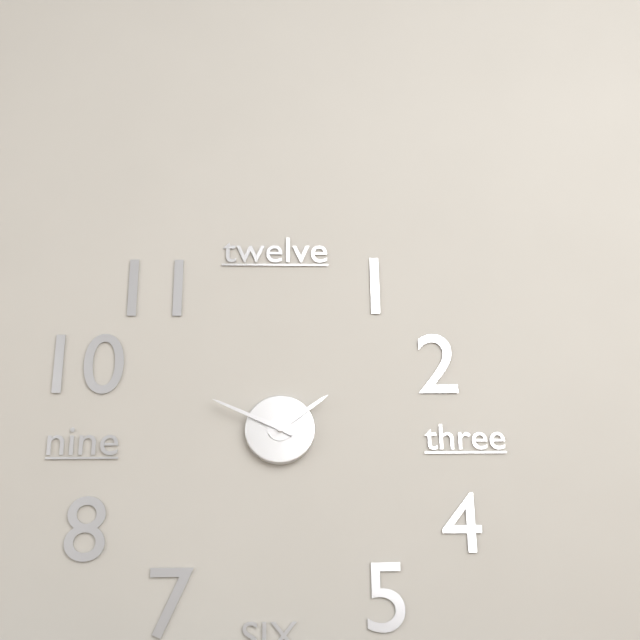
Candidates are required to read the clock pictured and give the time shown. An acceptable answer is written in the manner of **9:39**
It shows **1:49**
